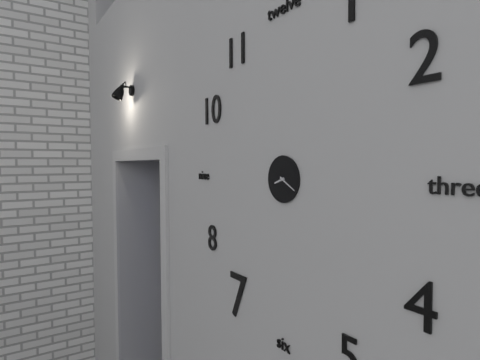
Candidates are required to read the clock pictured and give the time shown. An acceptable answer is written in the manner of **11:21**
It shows **8:20**
